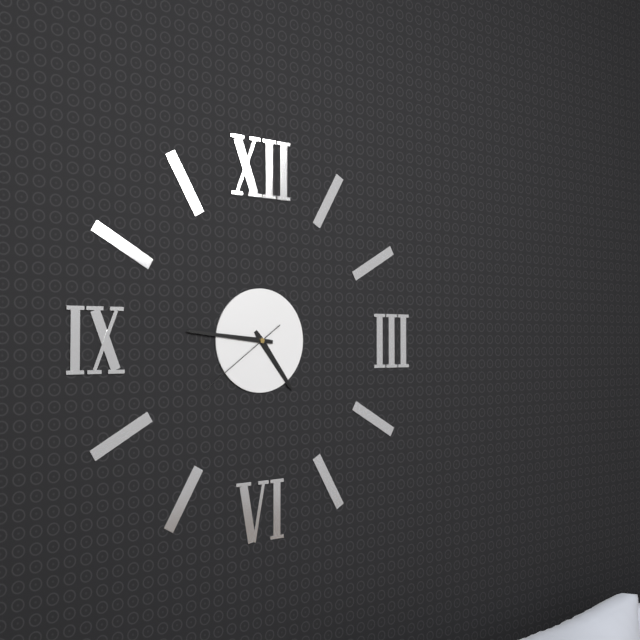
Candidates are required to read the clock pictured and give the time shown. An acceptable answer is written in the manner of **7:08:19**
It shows **4:46:39**
